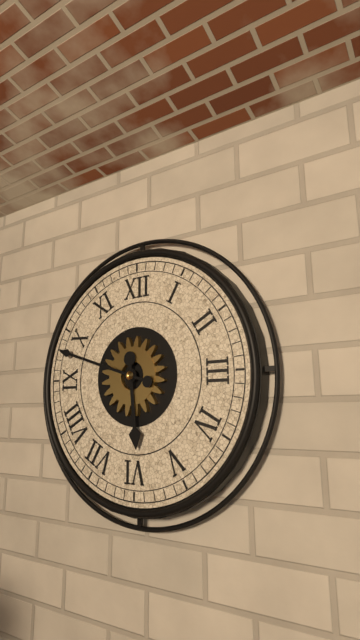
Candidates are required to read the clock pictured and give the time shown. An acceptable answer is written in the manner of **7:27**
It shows **5:48**
